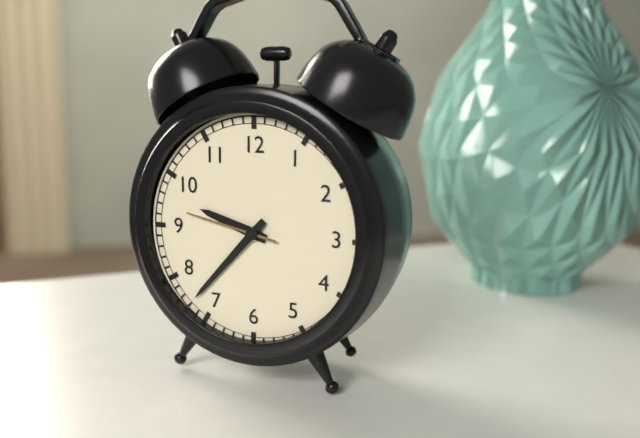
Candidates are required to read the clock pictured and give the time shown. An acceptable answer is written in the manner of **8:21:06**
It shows **9:37:47**
